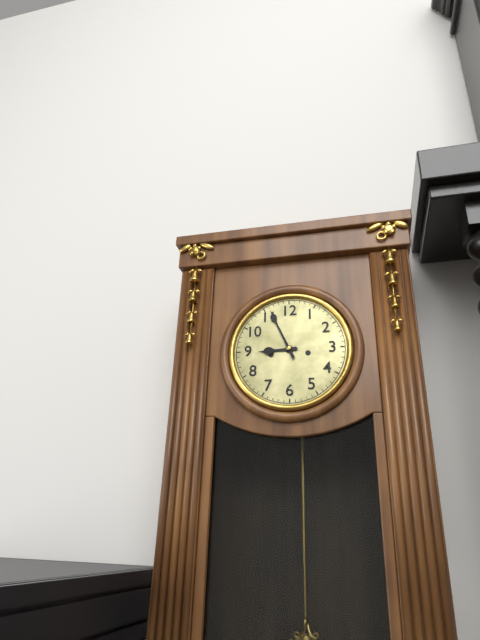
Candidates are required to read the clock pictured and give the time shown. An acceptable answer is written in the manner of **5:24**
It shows **8:56**
